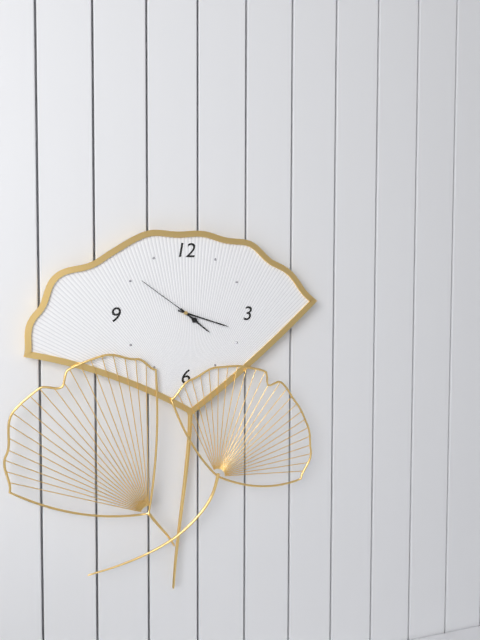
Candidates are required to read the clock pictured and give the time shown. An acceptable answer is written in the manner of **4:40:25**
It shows **4:18:51**
